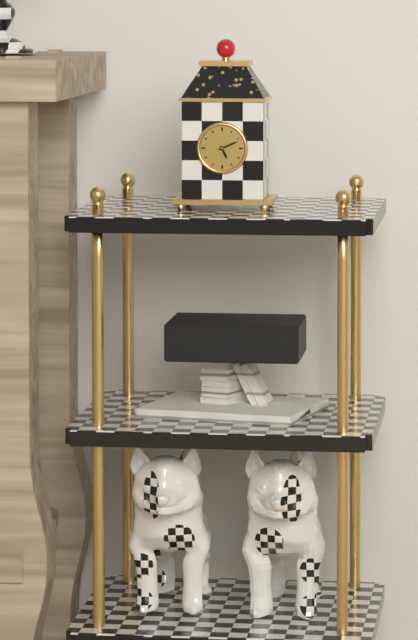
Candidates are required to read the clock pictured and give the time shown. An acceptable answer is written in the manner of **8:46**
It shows **5:11**
